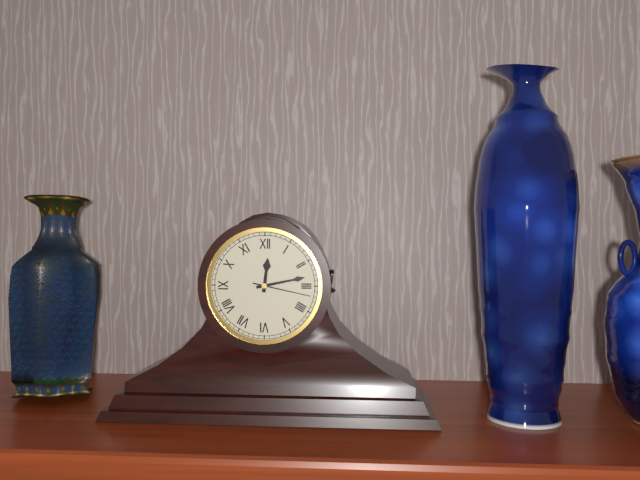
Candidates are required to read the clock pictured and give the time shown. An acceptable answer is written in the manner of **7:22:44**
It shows **12:13:17**
